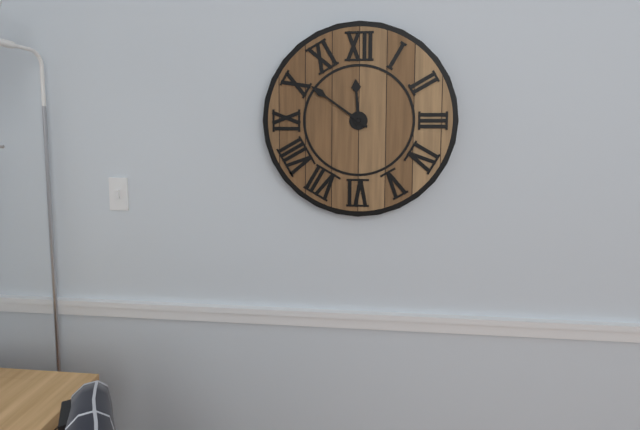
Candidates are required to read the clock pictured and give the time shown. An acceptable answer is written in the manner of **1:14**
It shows **11:51**
